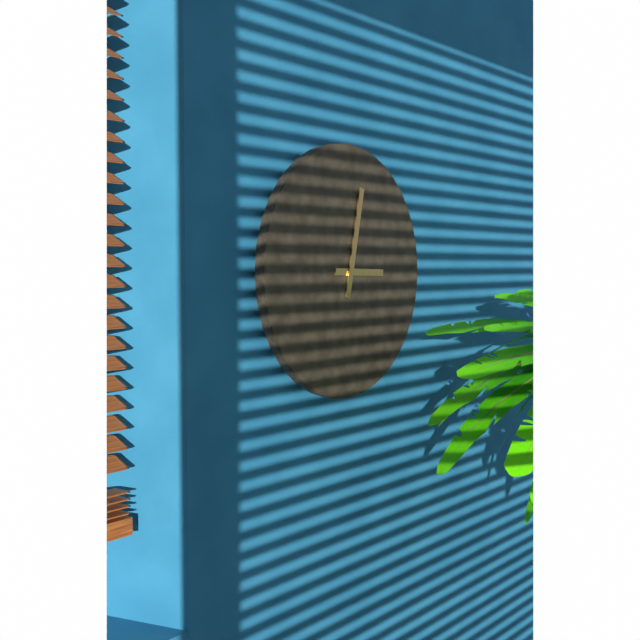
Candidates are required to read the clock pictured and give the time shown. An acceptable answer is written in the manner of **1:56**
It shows **3:02**
